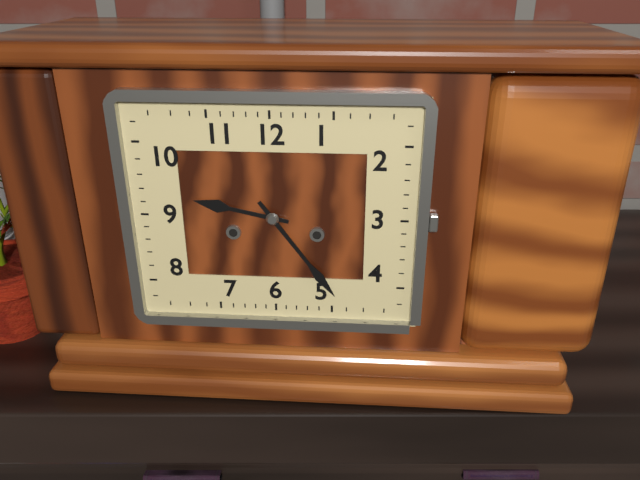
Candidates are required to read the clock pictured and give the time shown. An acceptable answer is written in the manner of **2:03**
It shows **9:24**
